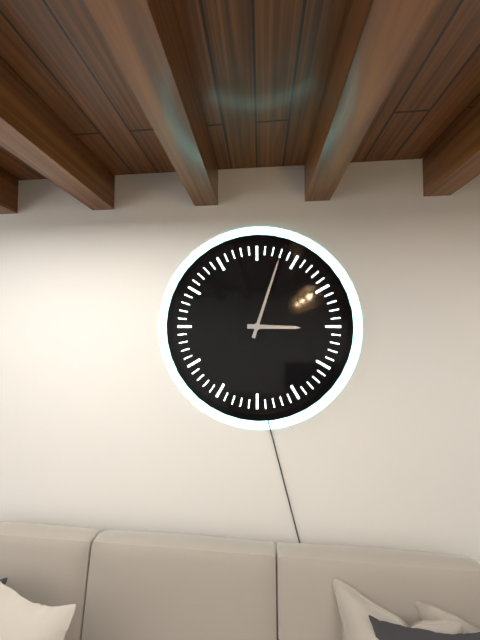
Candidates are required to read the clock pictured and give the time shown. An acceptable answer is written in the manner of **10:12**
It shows **3:03**
